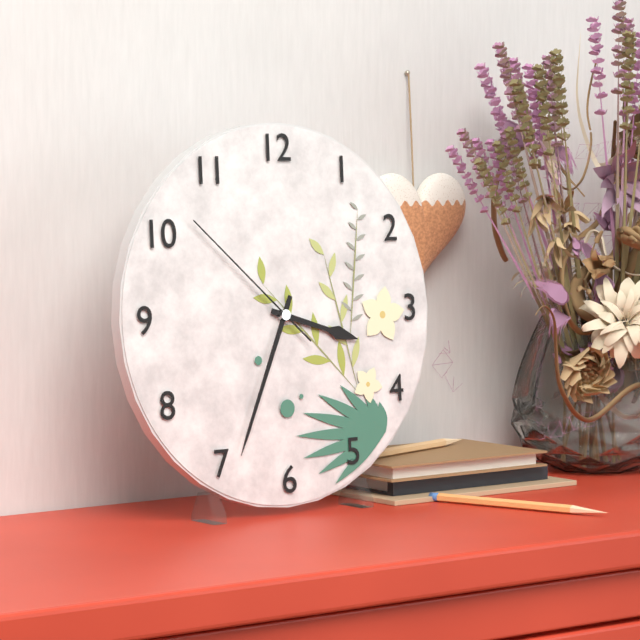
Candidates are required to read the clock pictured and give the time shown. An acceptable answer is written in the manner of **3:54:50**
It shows **3:34:52**
